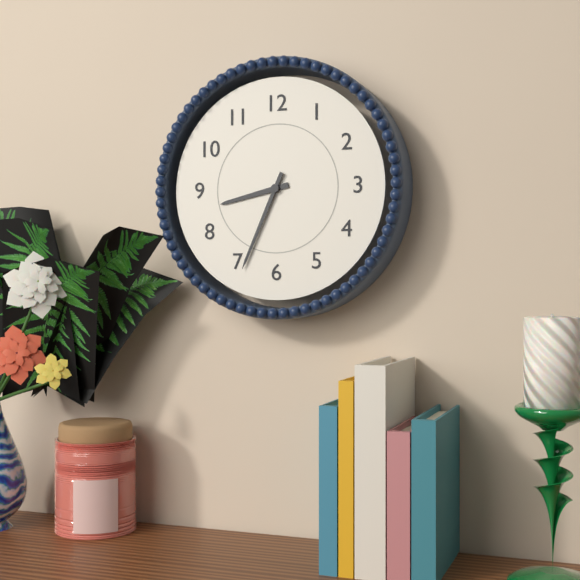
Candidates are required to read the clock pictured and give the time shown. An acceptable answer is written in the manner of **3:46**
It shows **8:34**
